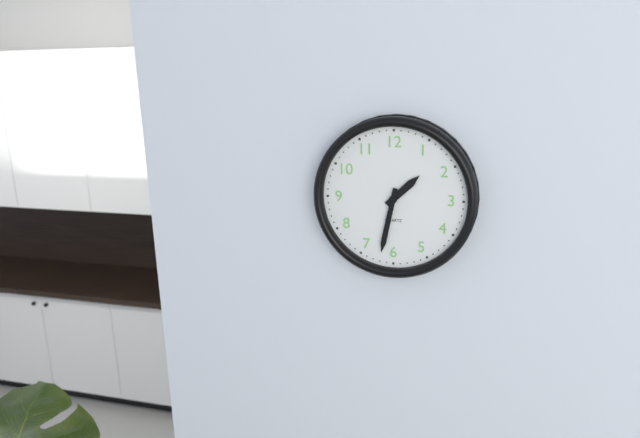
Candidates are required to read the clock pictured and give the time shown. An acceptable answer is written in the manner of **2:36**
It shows **1:32**
